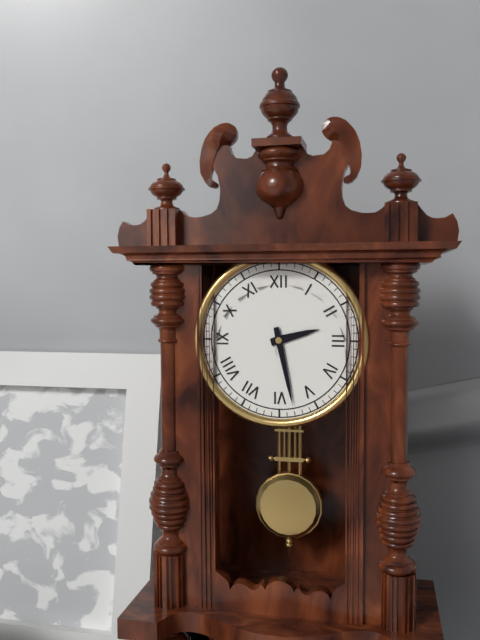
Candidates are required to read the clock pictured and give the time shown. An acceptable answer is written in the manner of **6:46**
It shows **2:28**
